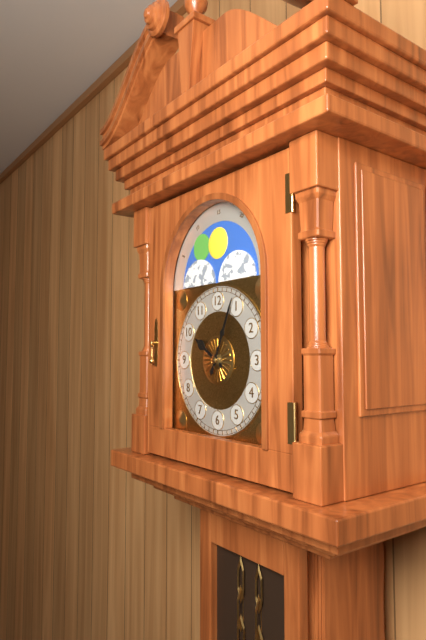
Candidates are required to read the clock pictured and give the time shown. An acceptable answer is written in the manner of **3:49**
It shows **10:04**
